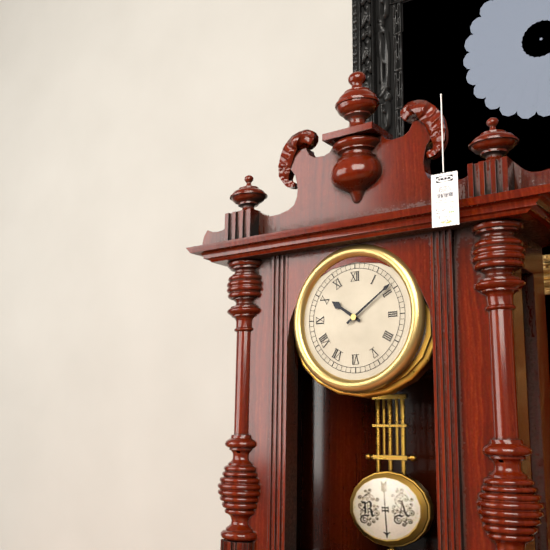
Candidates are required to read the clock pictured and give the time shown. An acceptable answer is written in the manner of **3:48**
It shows **10:09**
